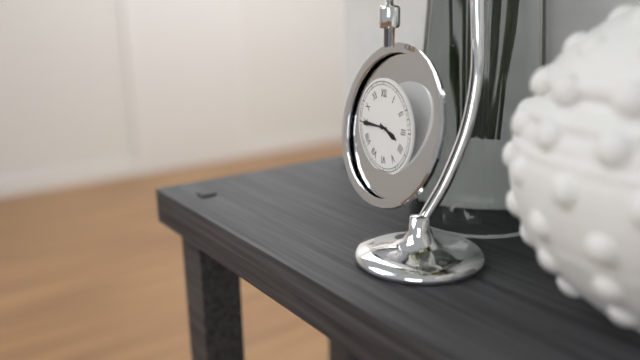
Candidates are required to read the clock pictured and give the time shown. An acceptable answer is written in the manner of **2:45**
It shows **3:45**
